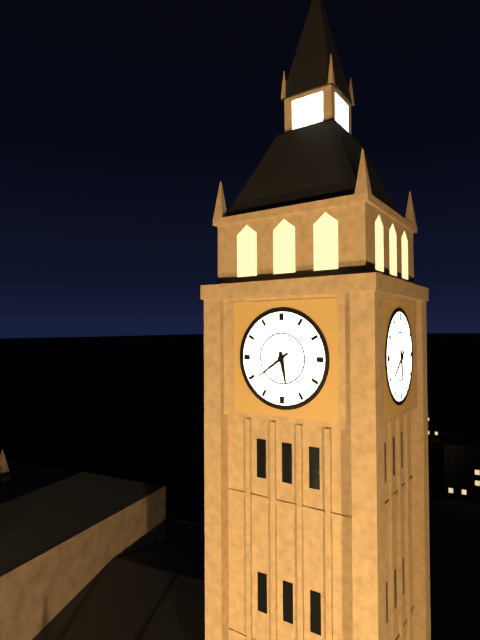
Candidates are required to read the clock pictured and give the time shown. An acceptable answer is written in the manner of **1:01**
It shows **5:39**
